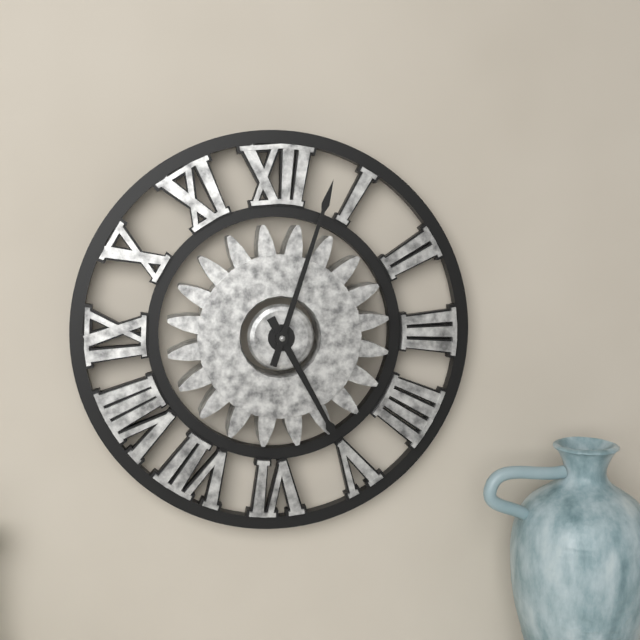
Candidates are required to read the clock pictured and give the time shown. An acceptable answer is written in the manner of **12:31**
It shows **5:03**
